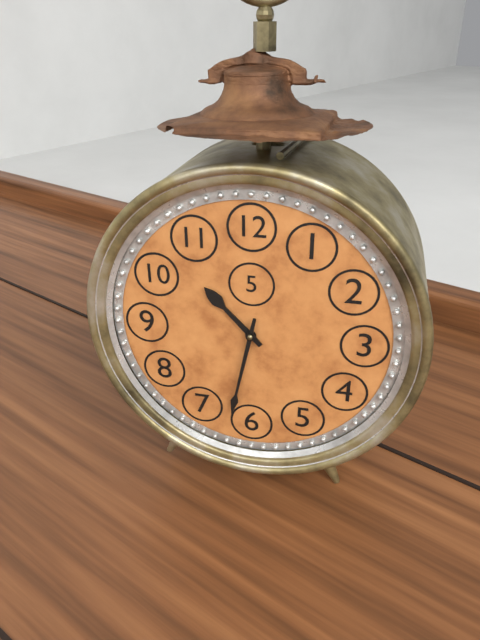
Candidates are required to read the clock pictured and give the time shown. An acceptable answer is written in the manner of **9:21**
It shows **10:32**
